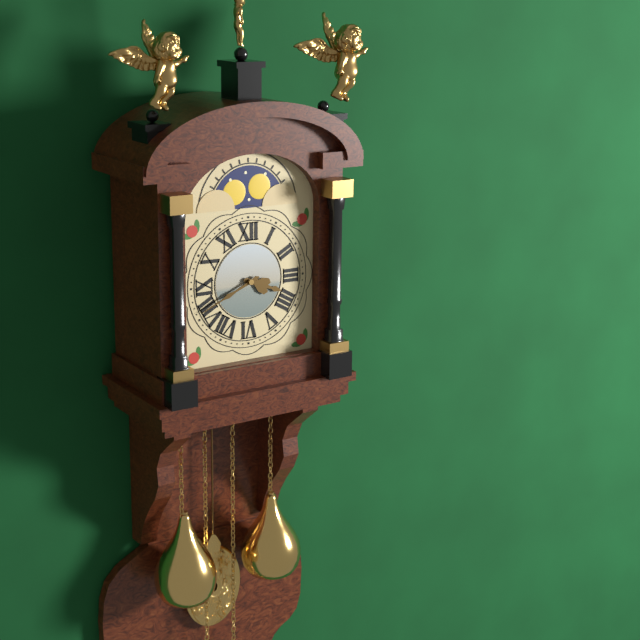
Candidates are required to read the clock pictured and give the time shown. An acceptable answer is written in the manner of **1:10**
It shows **3:41**
